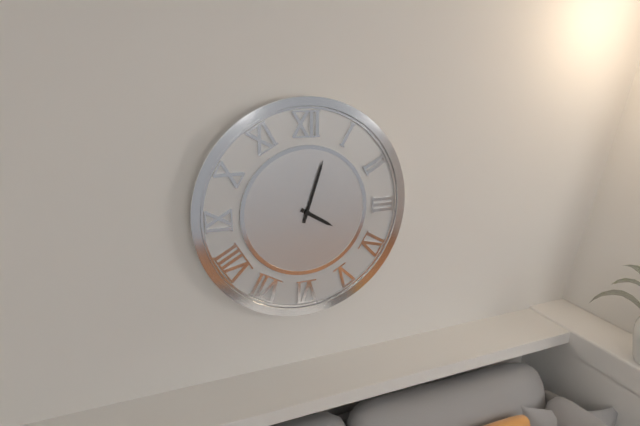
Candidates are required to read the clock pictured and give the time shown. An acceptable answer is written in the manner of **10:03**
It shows **4:03**
